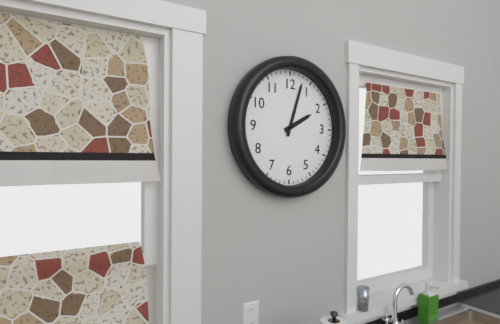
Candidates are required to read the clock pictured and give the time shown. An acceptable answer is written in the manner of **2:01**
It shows **2:03**
